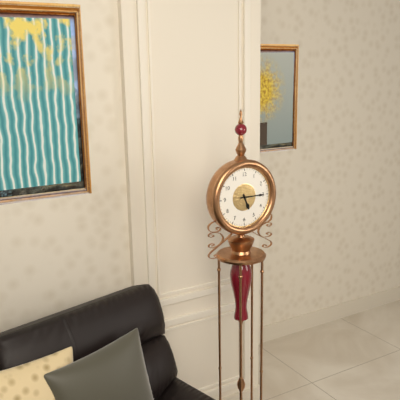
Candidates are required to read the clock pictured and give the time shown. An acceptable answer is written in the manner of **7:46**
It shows **5:15**
